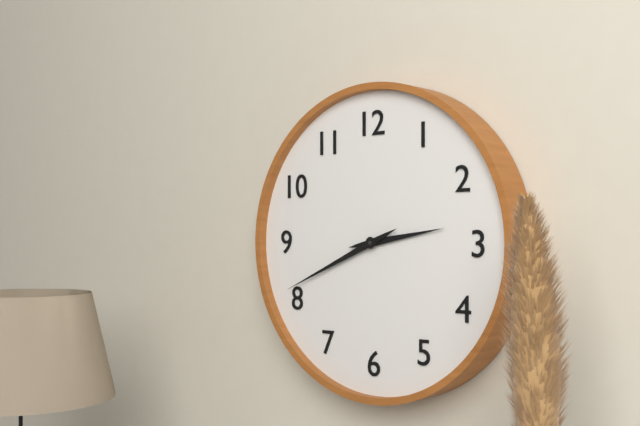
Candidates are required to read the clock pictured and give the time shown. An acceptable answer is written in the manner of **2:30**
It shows **2:41**
